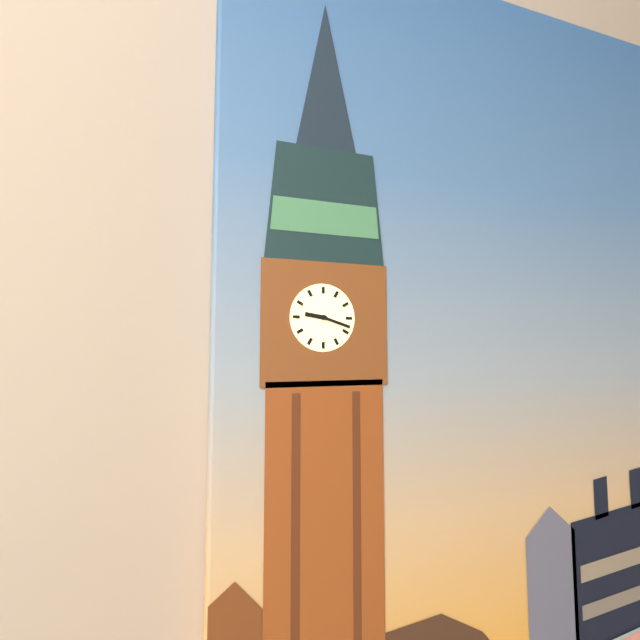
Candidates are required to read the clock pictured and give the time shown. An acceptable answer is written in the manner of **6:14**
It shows **9:18**
